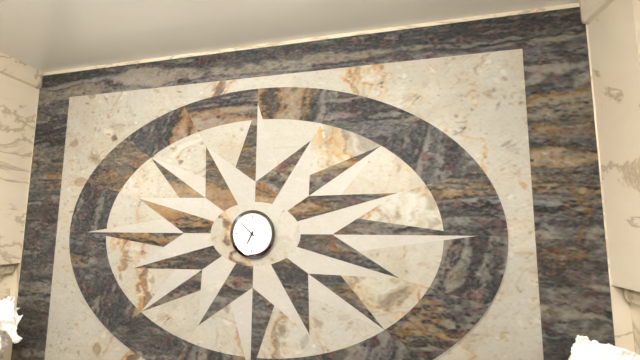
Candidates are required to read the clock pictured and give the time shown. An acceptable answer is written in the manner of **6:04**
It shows **6:52**
